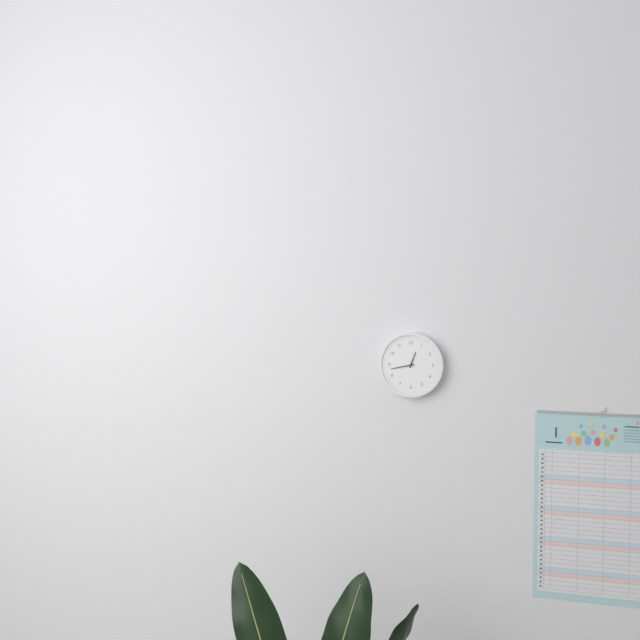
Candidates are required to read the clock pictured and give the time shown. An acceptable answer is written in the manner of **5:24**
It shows **12:43**
